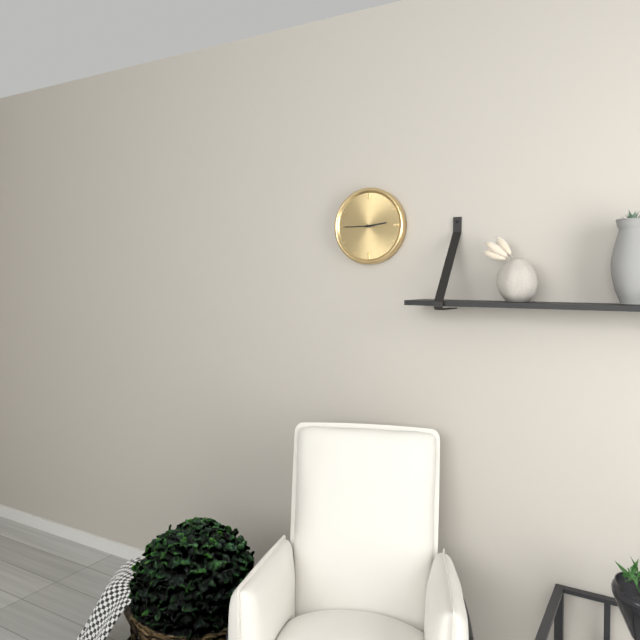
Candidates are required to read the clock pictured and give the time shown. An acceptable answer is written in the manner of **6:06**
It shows **2:45**
